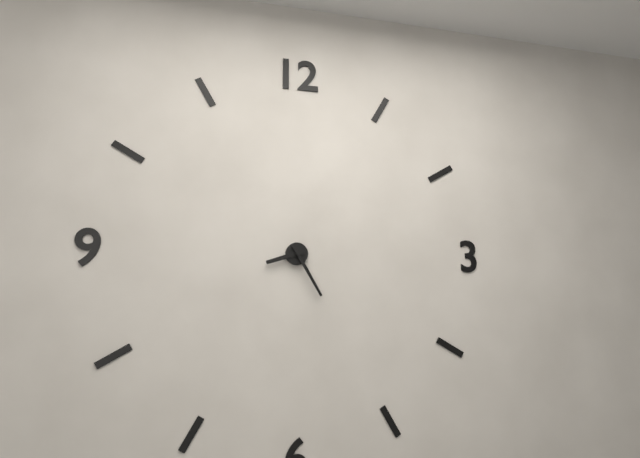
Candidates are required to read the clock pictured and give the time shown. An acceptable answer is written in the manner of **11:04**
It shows **8:25**
